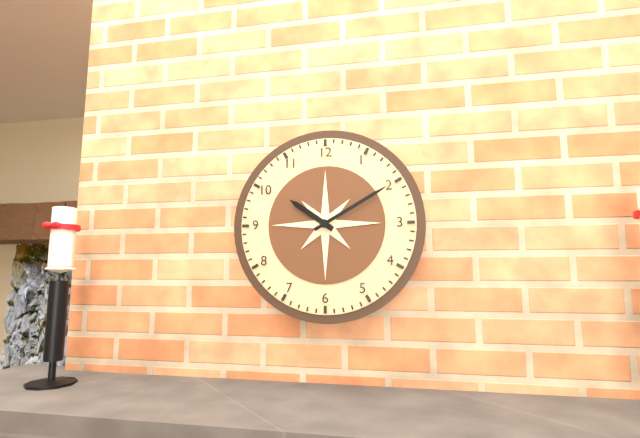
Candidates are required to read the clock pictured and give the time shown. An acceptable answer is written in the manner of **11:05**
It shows **10:10**
